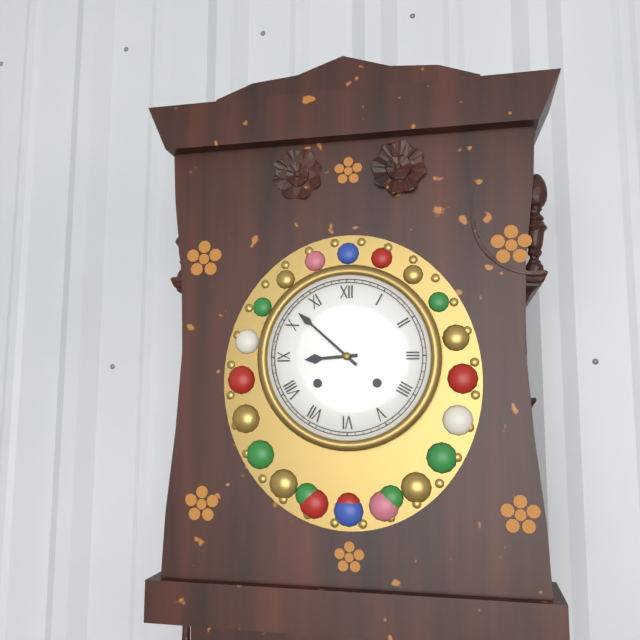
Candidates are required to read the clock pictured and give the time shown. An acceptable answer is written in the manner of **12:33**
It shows **8:52**
